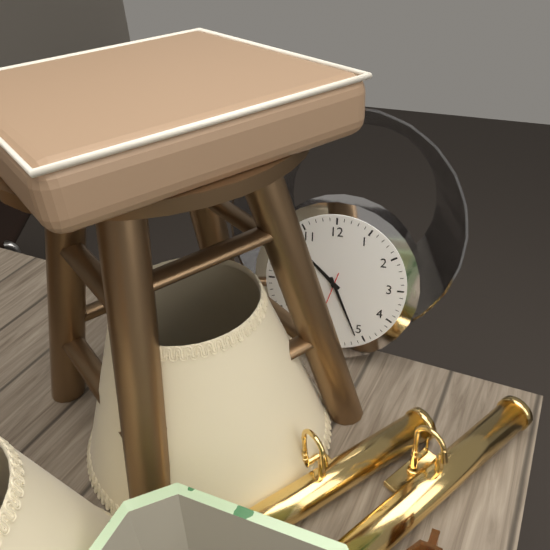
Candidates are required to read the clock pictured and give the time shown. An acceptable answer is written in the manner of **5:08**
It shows **10:26**
